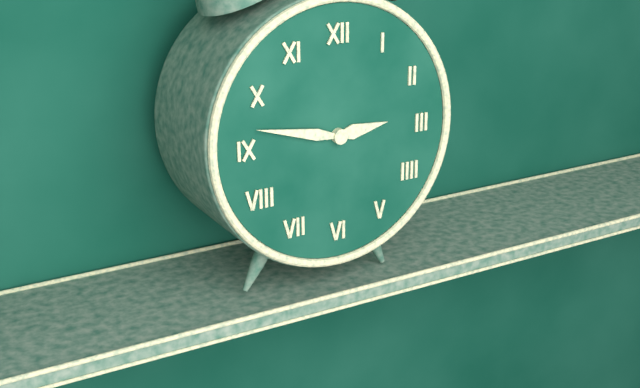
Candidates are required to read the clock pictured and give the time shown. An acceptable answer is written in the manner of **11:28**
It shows **2:47**
